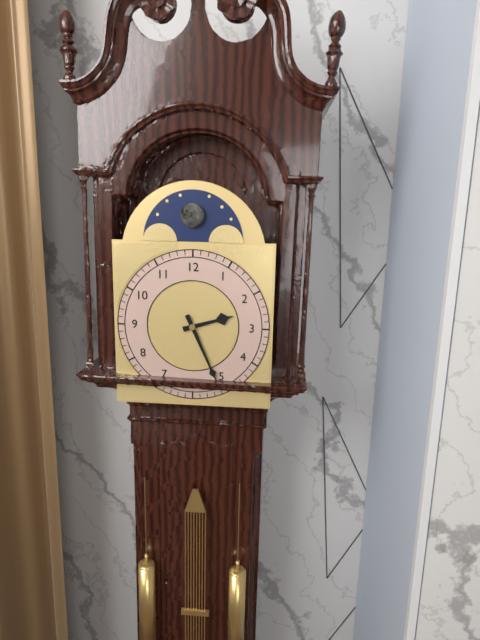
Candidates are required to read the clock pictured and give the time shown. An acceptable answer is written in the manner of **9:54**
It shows **2:26**
